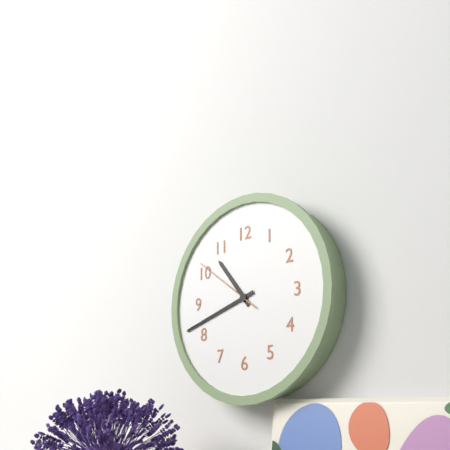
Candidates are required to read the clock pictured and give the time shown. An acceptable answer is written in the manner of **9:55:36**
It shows **10:42:51**
